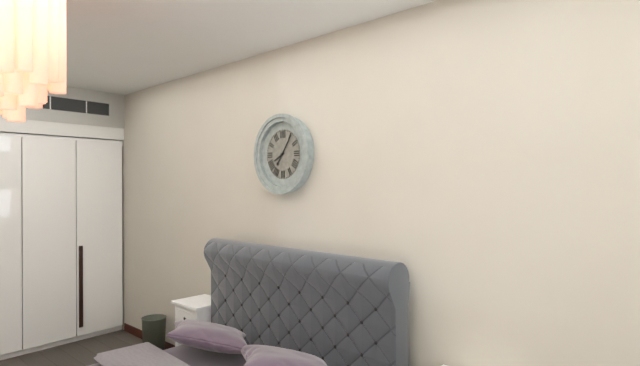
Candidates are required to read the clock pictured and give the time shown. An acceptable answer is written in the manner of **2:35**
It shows **8:06**
